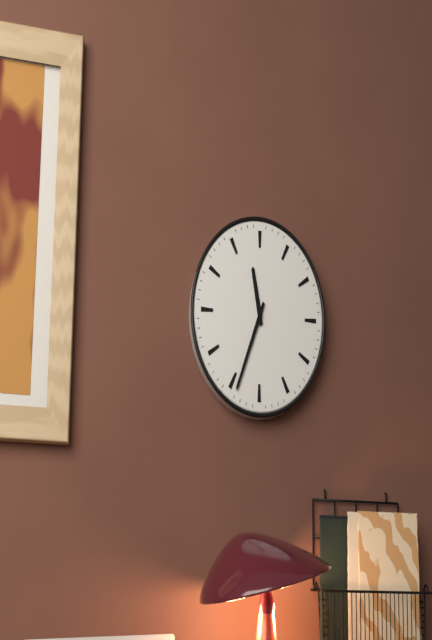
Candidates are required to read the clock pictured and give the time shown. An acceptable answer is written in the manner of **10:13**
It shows **11:34**
